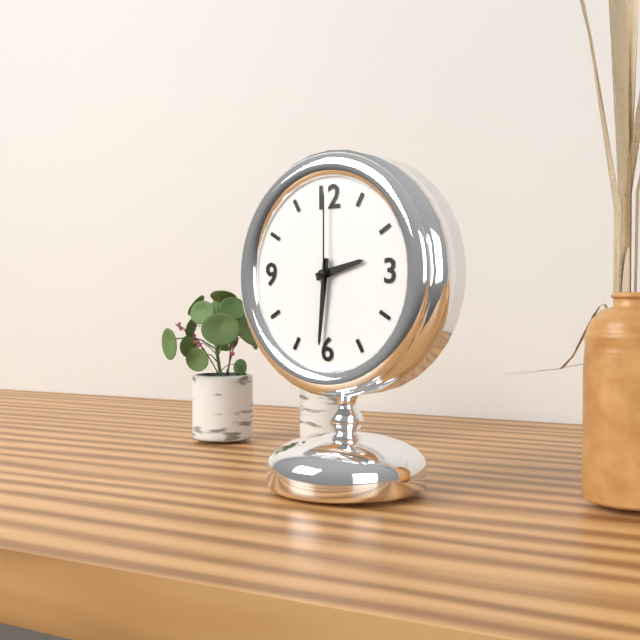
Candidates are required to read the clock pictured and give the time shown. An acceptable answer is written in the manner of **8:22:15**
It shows **2:31:00**
